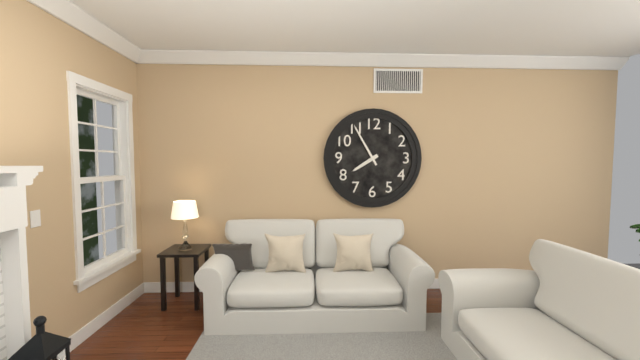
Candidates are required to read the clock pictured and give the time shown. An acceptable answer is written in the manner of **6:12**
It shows **7:55**
